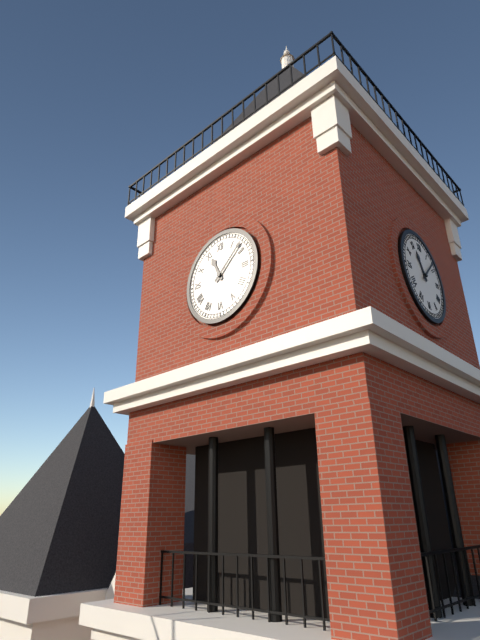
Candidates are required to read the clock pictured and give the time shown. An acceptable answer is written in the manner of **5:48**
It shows **11:08**
